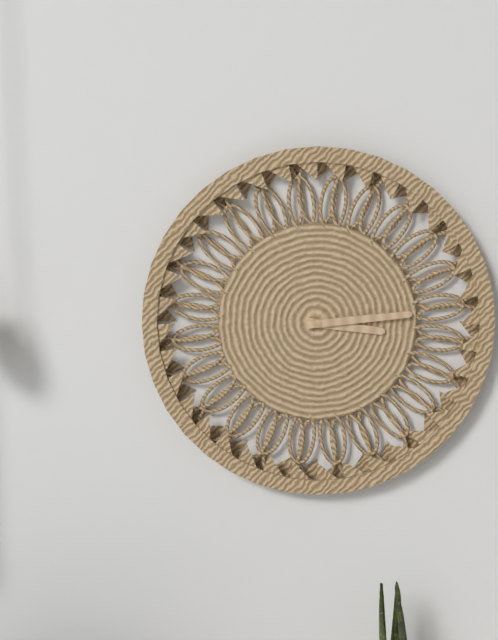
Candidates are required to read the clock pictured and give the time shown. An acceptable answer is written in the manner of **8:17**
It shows **3:14**
